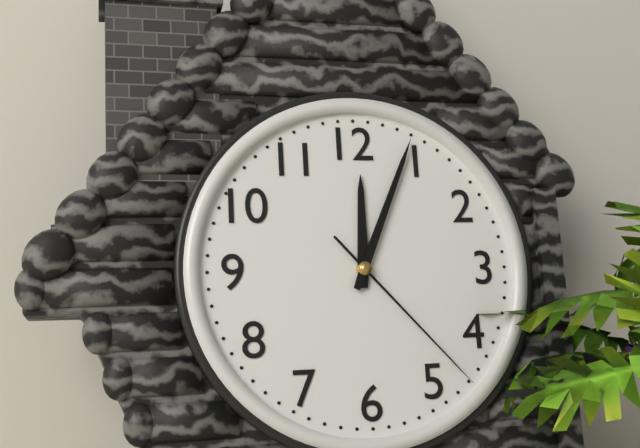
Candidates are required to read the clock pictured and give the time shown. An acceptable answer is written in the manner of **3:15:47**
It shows **12:04:23**
